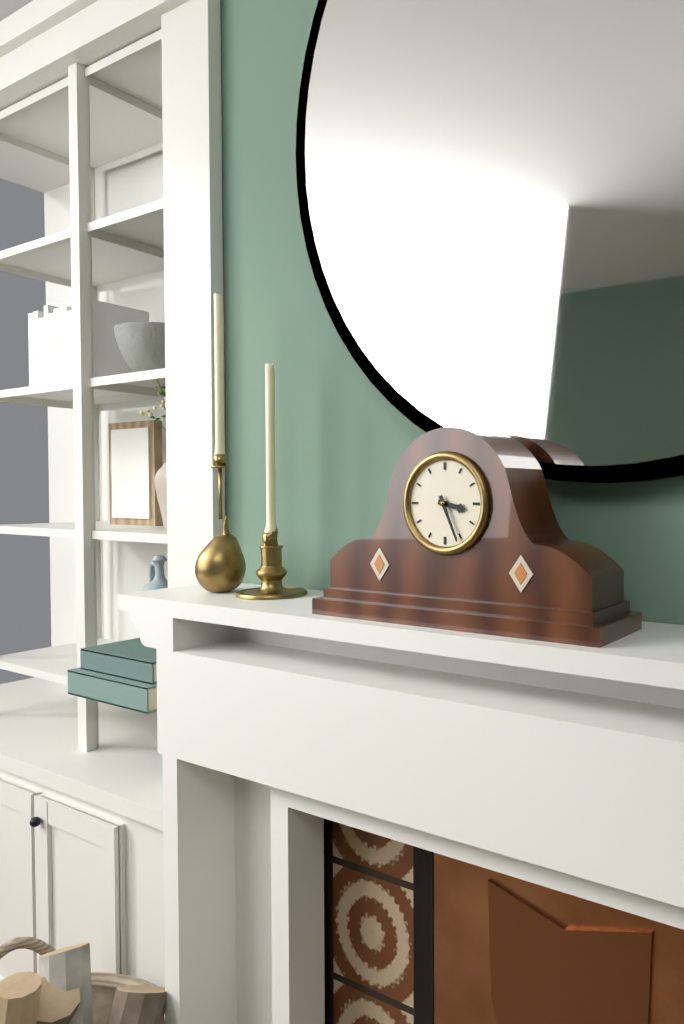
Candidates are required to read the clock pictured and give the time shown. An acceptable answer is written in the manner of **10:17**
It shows **3:26**
